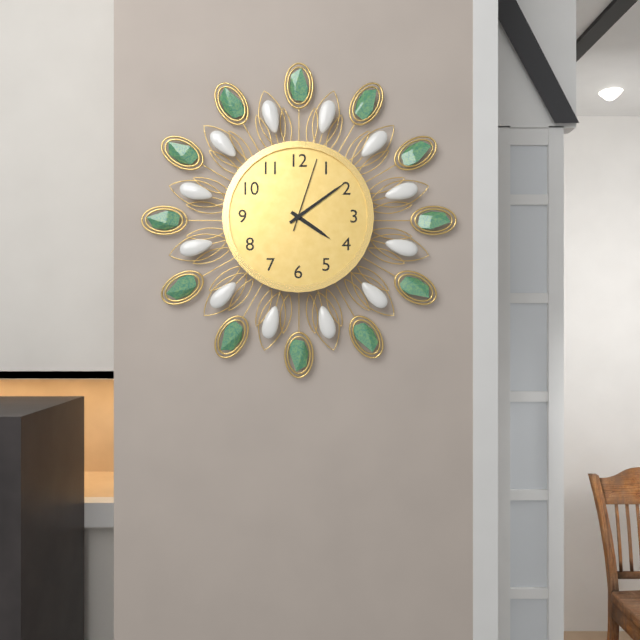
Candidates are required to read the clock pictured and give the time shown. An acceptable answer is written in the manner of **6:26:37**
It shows **4:09:03**
